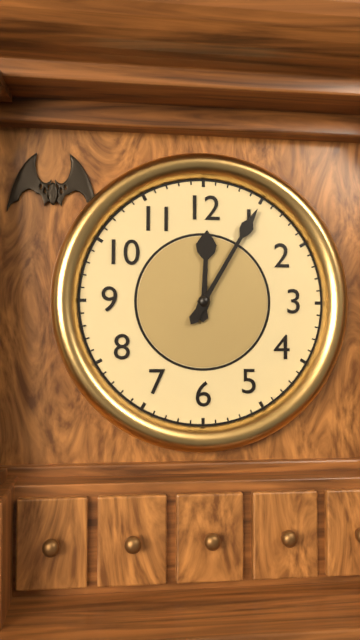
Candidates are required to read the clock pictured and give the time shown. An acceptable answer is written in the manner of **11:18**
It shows **12:05**
